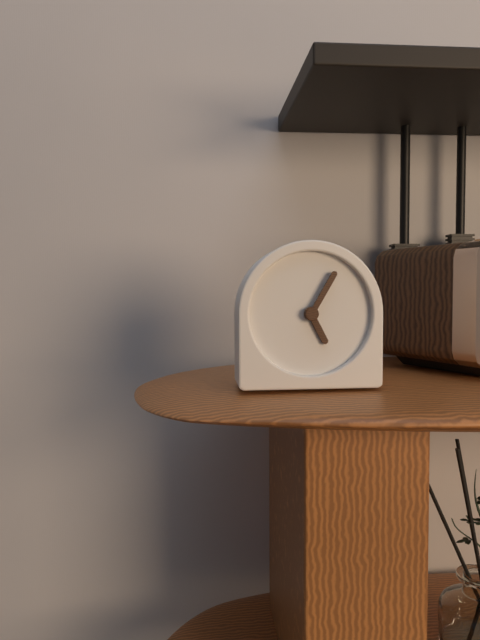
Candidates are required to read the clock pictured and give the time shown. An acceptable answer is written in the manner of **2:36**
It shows **5:05**
